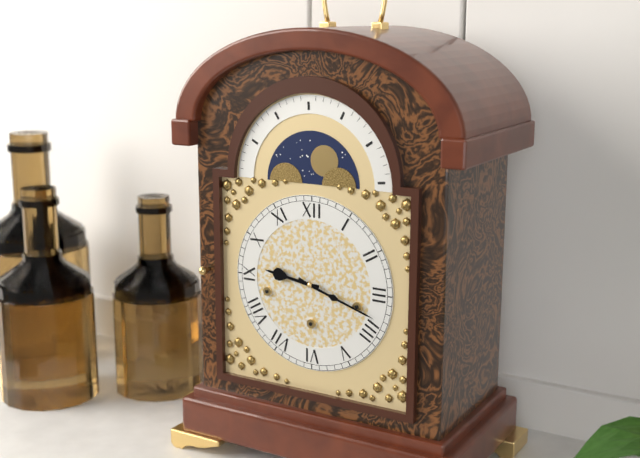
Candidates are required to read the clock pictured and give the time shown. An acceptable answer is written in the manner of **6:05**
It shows **9:18**
